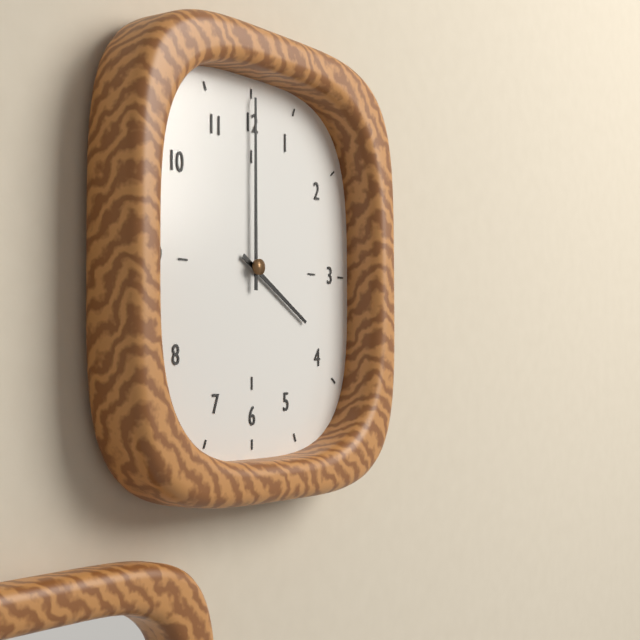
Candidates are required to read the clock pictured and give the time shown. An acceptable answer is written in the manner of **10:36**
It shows **4:00**
